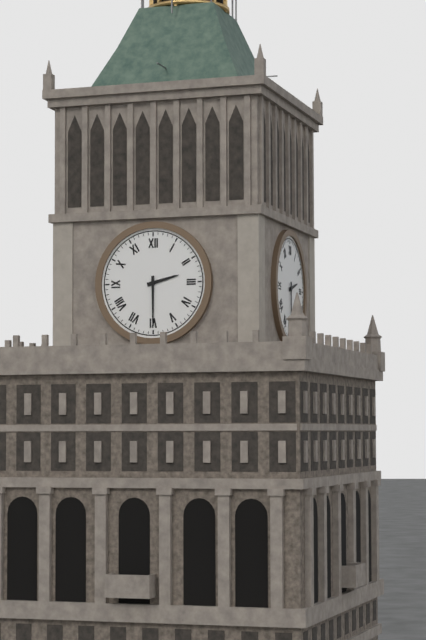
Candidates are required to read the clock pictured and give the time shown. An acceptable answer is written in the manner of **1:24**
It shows **2:30**
